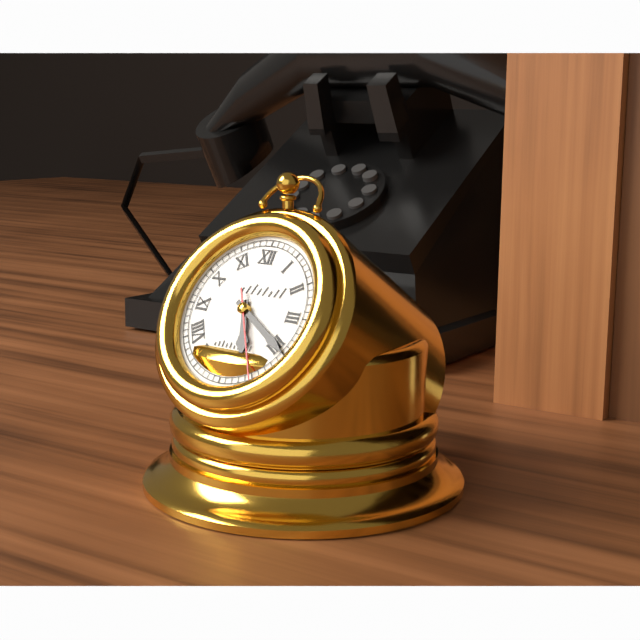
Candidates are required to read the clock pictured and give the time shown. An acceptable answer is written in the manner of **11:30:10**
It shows **5:20:25**
